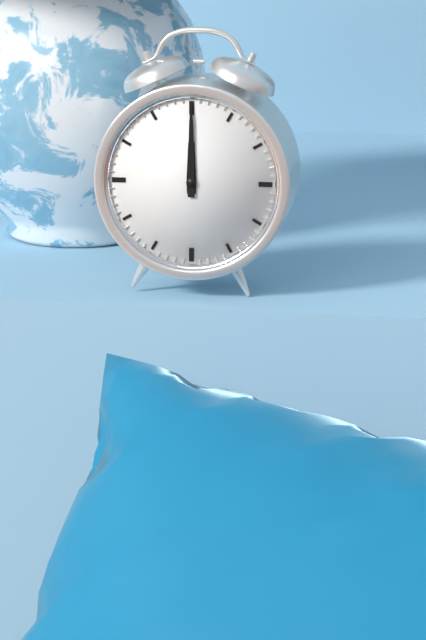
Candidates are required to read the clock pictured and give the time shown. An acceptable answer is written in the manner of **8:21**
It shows **12:00**
